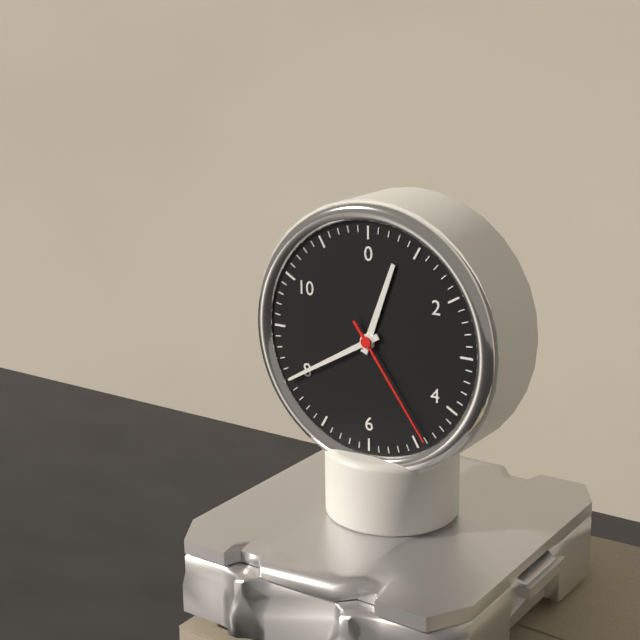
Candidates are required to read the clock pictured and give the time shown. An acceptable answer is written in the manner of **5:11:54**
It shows **12:40:24**
